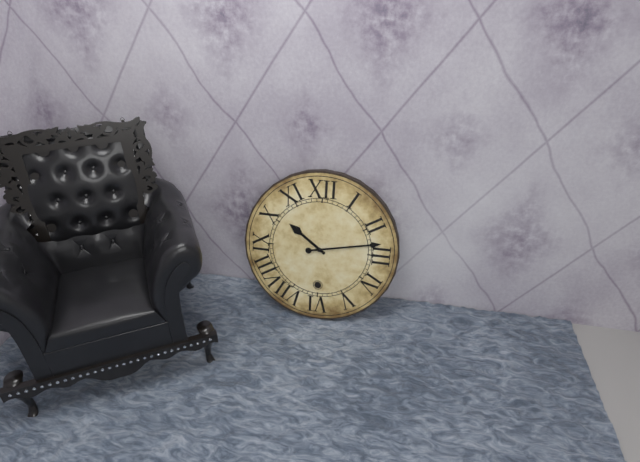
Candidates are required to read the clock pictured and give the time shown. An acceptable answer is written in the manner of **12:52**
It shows **10:13**
